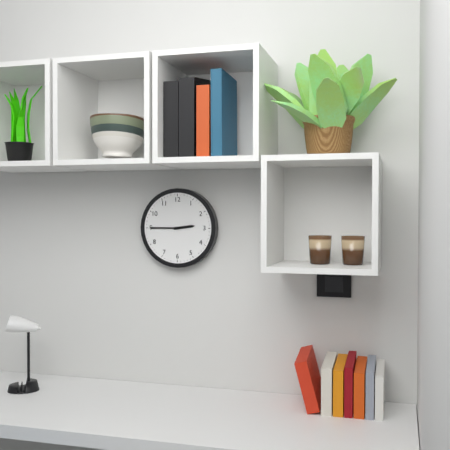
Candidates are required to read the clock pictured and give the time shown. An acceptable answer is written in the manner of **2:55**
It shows **2:45**
